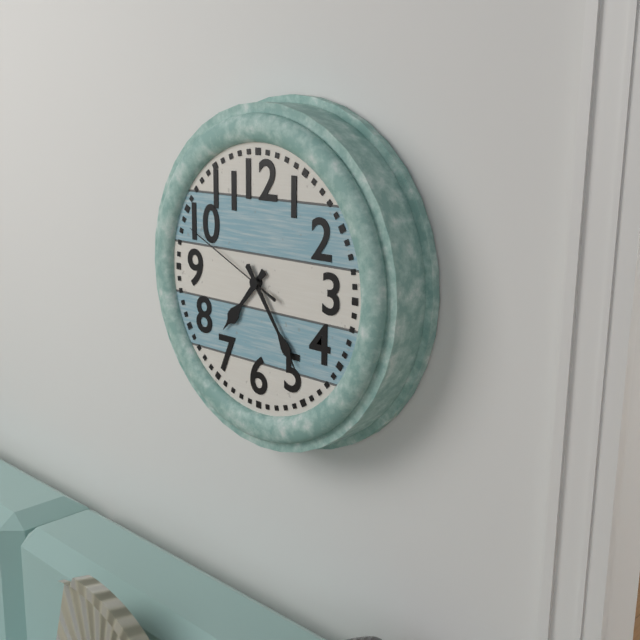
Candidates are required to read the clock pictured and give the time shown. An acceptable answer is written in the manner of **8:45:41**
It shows **7:24:49**
